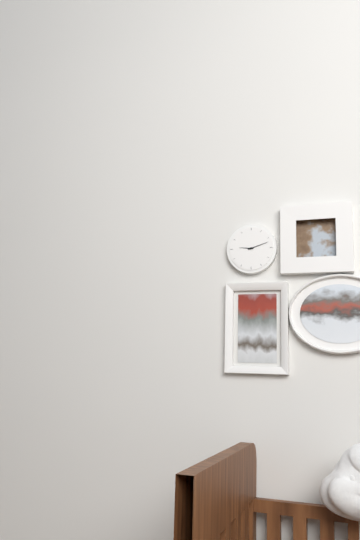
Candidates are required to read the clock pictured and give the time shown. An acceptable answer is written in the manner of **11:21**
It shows **9:12**
